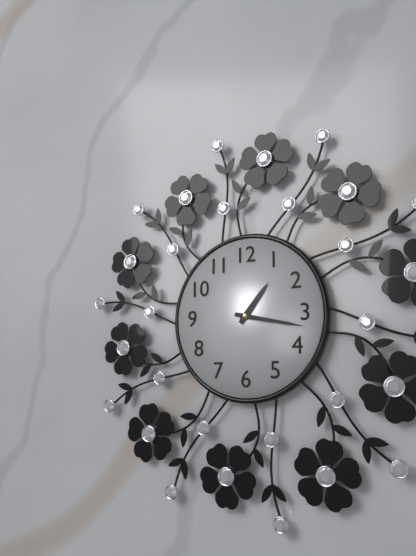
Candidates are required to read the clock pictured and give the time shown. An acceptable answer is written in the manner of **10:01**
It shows **1:17**
